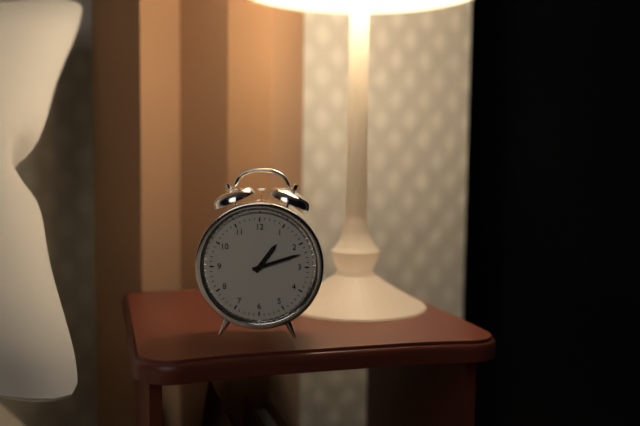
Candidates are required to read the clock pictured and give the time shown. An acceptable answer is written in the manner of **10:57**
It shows **1:12**
